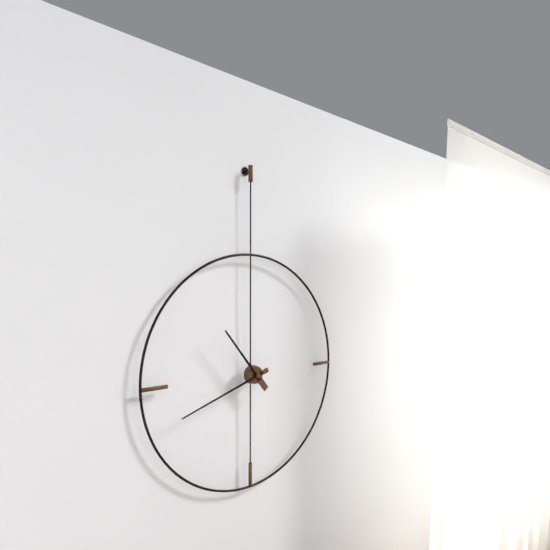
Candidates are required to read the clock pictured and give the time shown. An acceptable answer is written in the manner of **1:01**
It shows **10:42**
